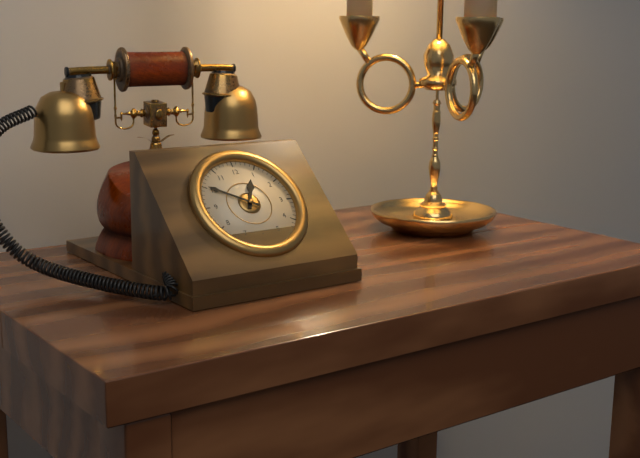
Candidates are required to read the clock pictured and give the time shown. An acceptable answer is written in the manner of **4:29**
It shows **12:50**
